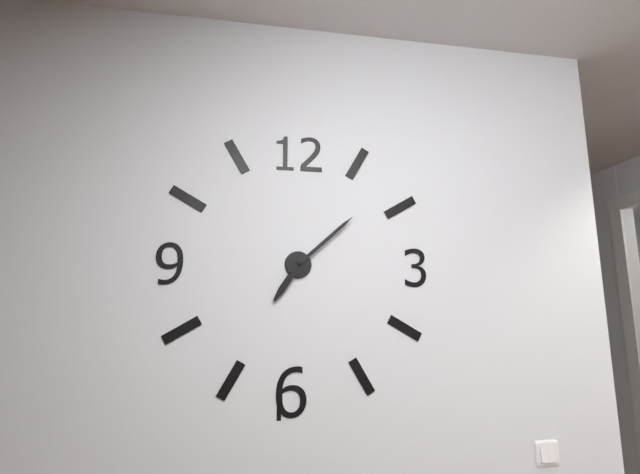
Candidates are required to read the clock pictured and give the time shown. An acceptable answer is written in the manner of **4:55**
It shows **7:08**
